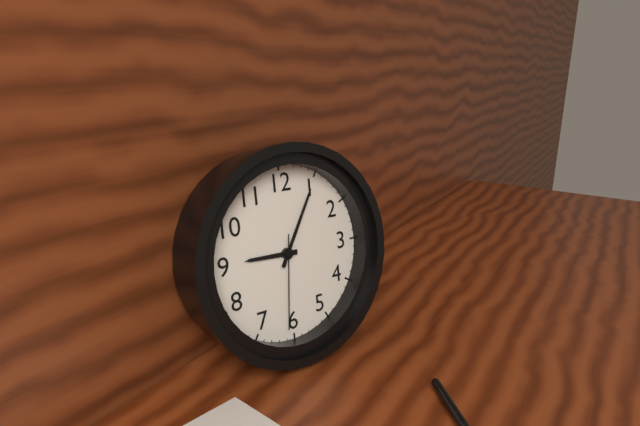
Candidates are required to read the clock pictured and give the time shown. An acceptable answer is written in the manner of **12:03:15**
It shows **9:05:31**
